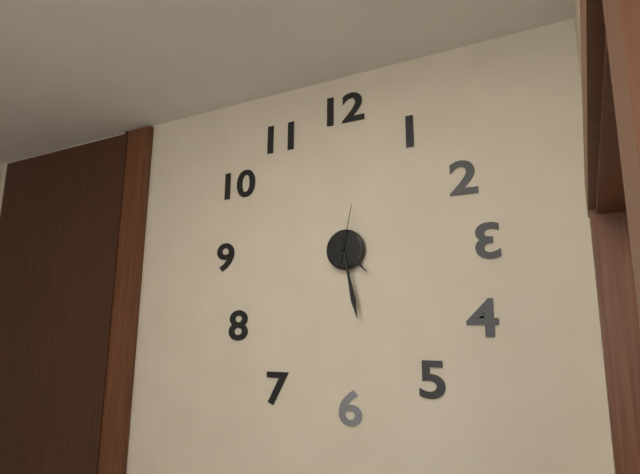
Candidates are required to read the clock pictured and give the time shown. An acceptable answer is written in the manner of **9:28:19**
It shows **4:28:02**
